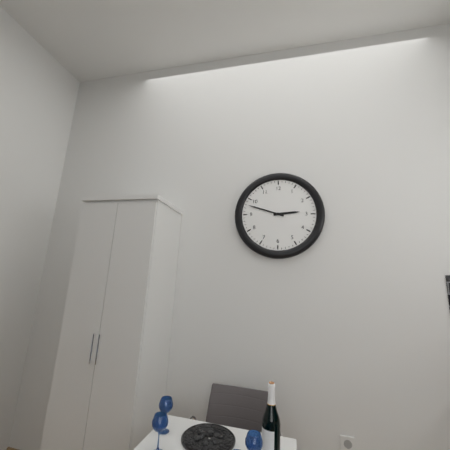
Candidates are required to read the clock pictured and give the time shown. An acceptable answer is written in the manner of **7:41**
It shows **2:48**
